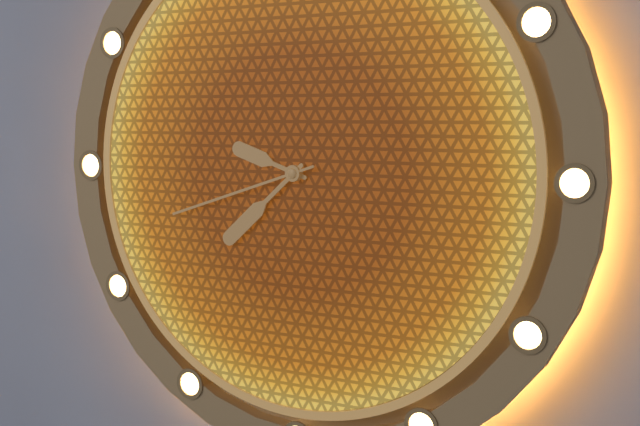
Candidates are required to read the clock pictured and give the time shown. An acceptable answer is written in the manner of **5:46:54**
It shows **9:38:42**
